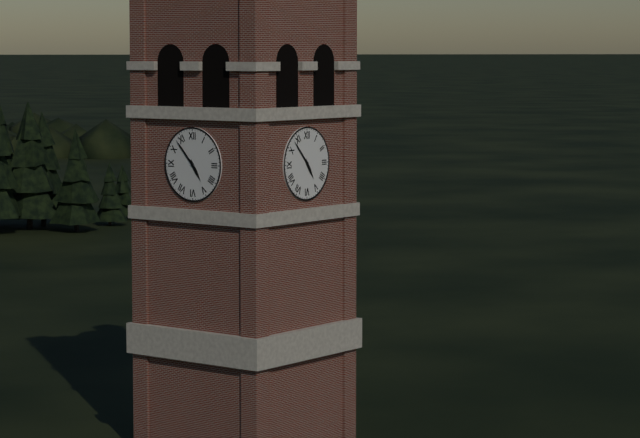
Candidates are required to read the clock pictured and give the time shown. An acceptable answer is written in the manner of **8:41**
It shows **4:53**
